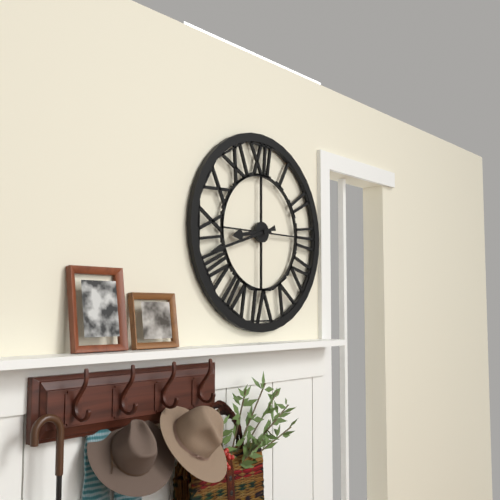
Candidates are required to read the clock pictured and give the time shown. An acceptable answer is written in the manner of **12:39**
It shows **8:42**
